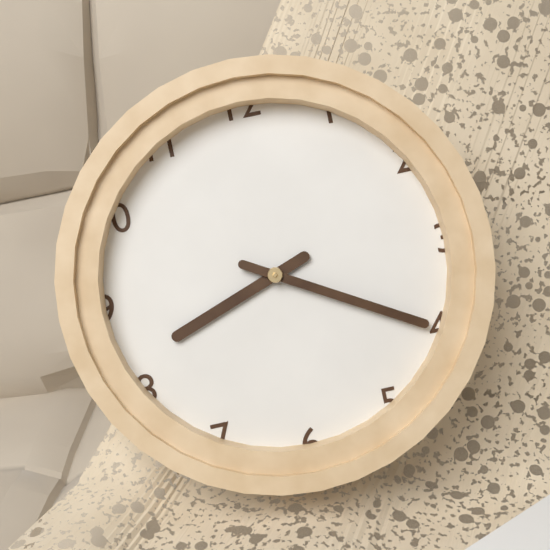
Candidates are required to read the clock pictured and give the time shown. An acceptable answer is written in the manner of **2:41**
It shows **8:20**
